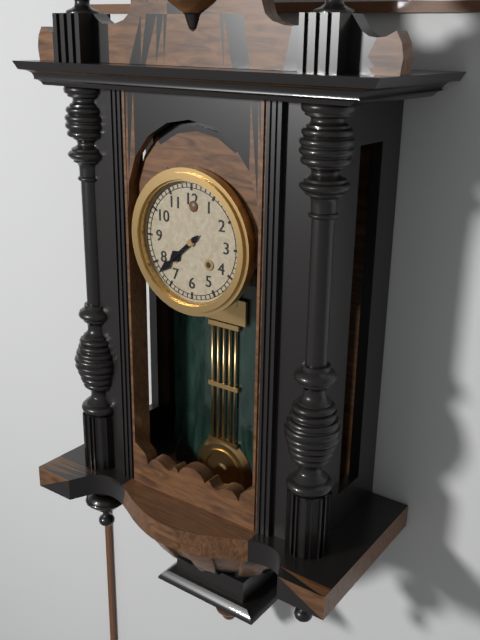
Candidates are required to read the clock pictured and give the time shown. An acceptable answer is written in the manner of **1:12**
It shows **7:38**
